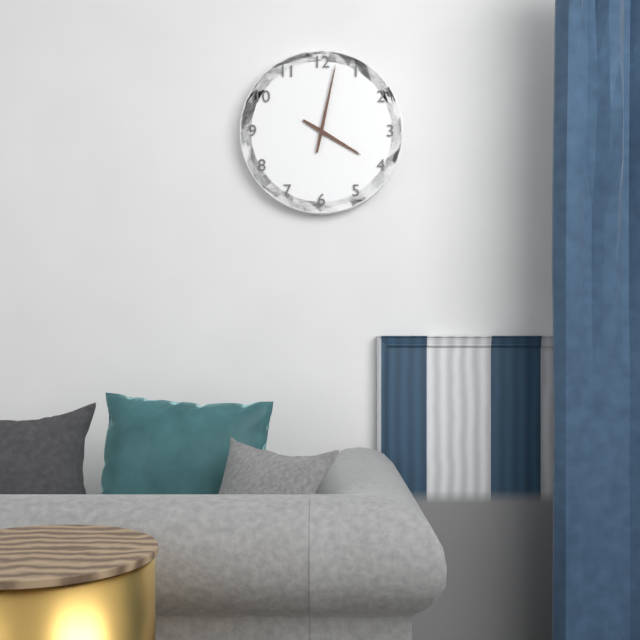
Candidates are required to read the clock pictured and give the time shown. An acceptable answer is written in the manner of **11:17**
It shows **4:02**
